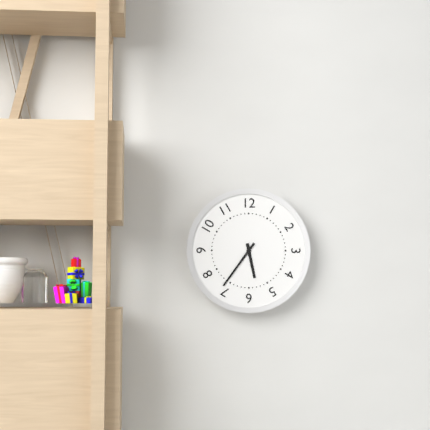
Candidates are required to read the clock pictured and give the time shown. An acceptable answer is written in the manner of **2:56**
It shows **5:36**
